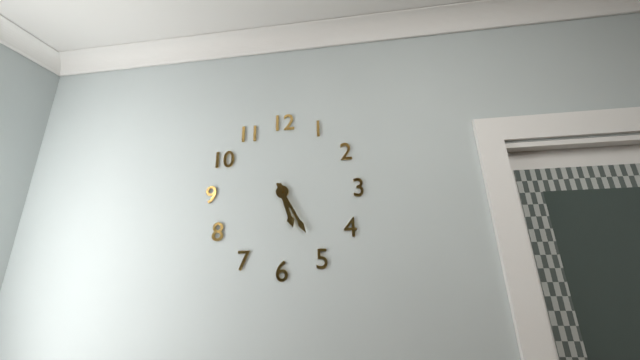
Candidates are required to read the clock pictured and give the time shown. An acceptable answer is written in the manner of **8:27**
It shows **5:25**
